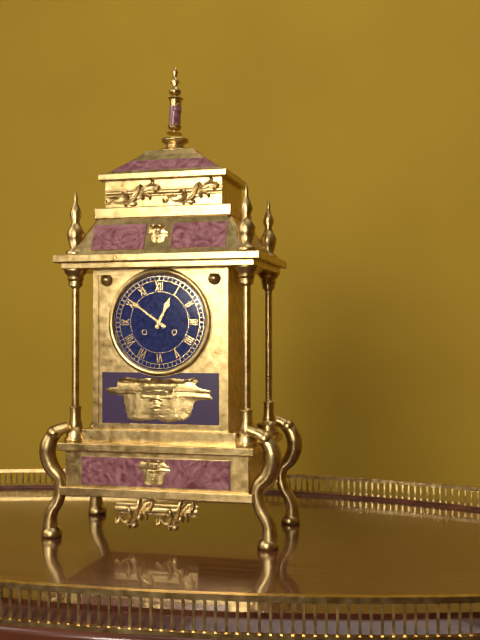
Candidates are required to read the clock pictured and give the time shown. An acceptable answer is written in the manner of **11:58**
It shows **12:51**
